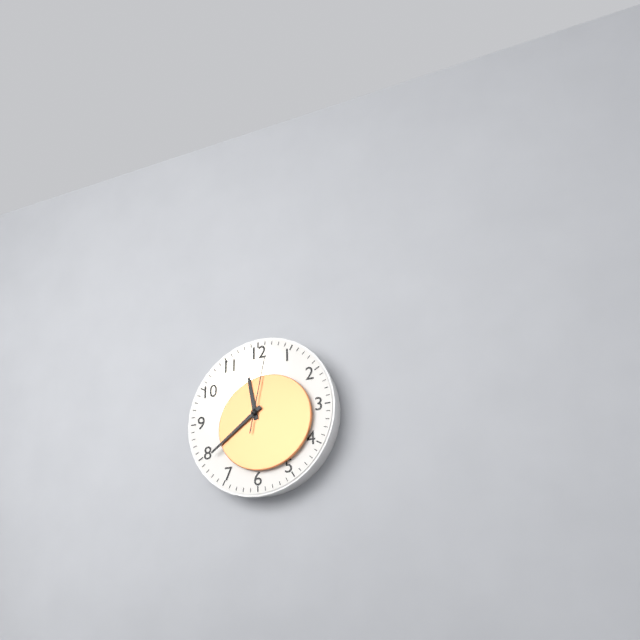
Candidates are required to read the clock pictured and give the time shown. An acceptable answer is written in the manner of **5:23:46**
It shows **11:39:02**
